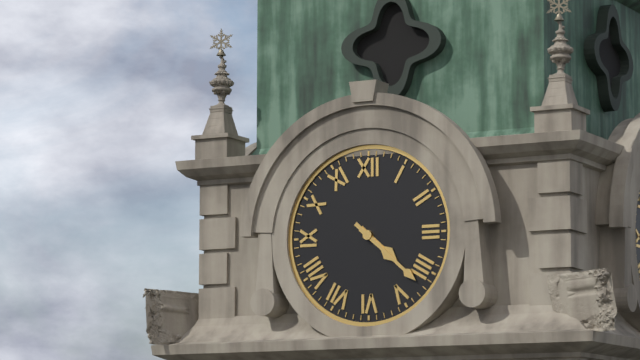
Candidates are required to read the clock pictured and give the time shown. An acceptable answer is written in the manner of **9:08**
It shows **4:22**
